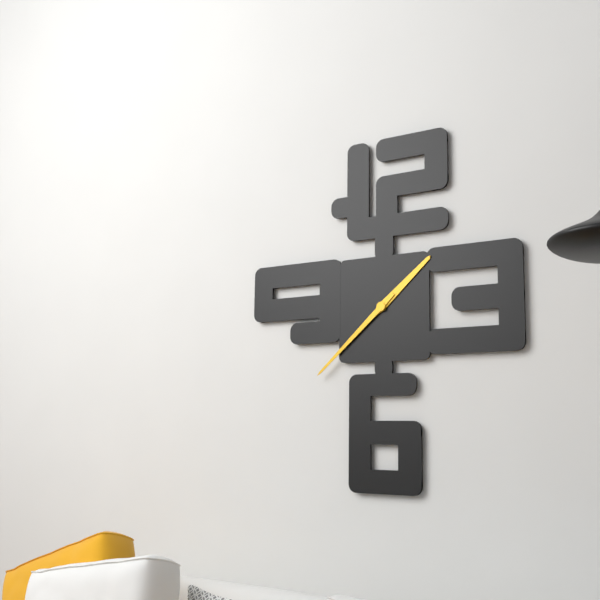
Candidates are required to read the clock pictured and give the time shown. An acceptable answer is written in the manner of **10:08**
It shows **1:38**
